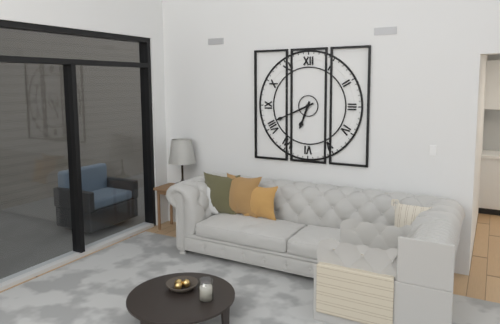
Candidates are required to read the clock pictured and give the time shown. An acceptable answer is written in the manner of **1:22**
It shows **6:41**
